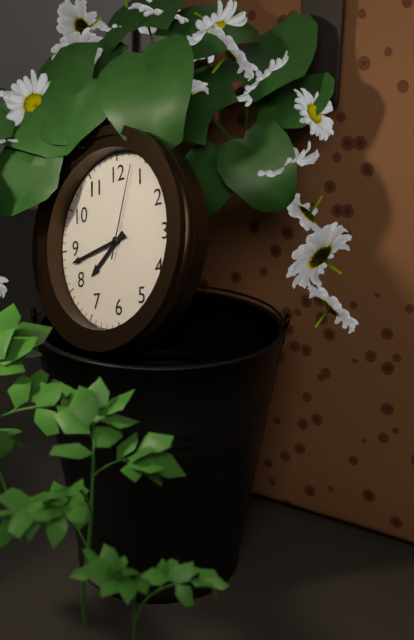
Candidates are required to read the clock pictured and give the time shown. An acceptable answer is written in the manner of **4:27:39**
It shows **7:43:03**
